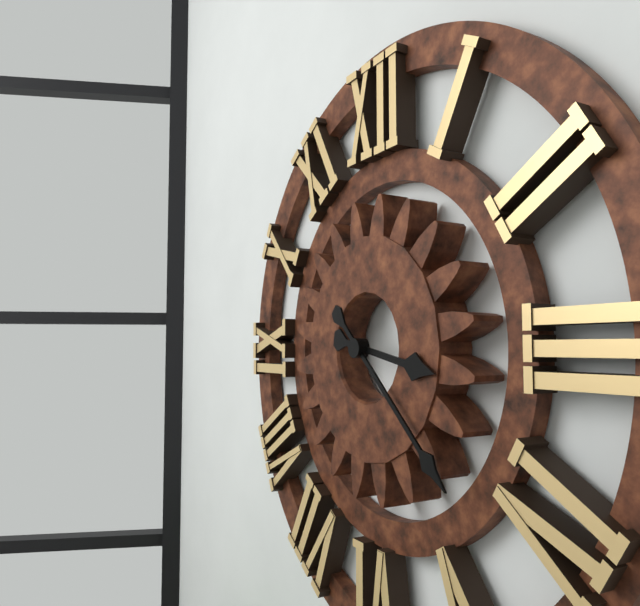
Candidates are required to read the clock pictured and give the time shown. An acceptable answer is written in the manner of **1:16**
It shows **3:22**
